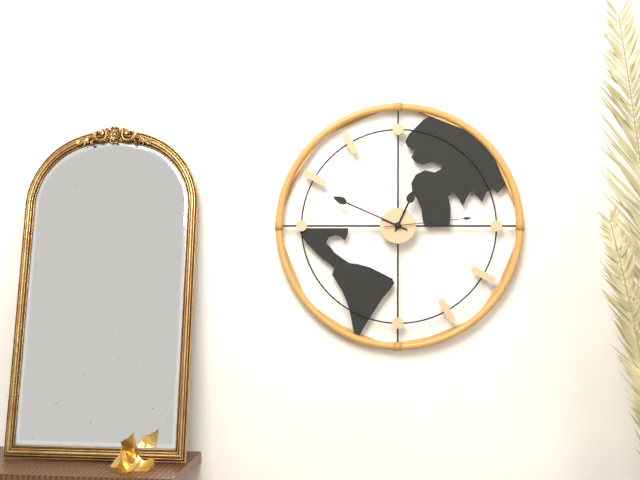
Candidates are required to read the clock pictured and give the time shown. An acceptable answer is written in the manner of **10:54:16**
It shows **12:49:14**
